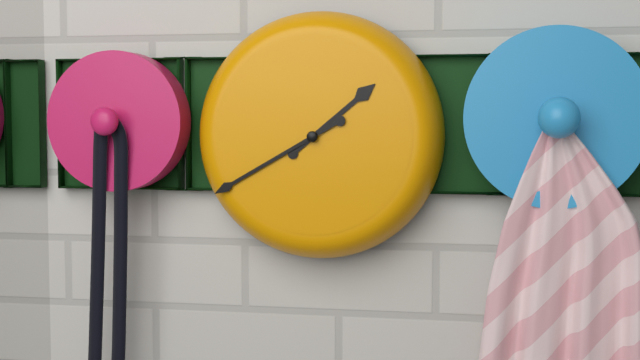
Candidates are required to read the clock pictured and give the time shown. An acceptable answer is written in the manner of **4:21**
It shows **1:40**
